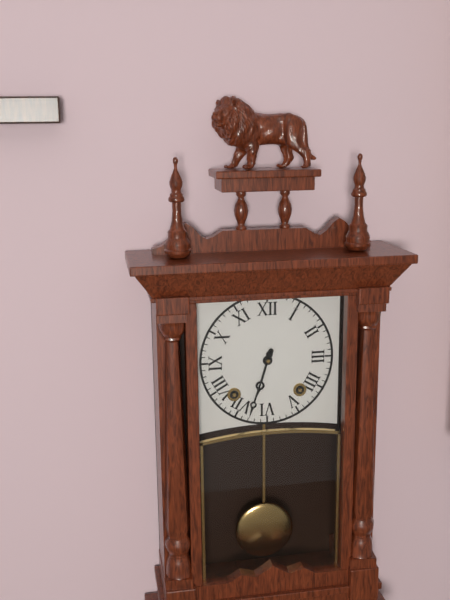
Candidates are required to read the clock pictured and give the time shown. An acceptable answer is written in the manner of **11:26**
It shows **6:33**
